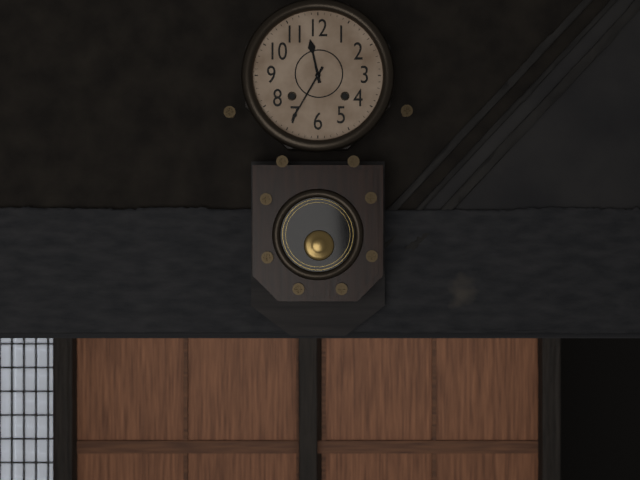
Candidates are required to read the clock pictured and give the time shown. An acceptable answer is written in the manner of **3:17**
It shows **11:35**
